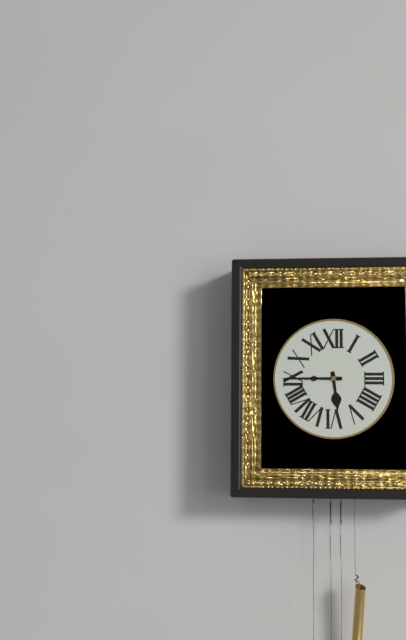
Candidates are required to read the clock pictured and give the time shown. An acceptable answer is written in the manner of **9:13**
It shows **5:45**
